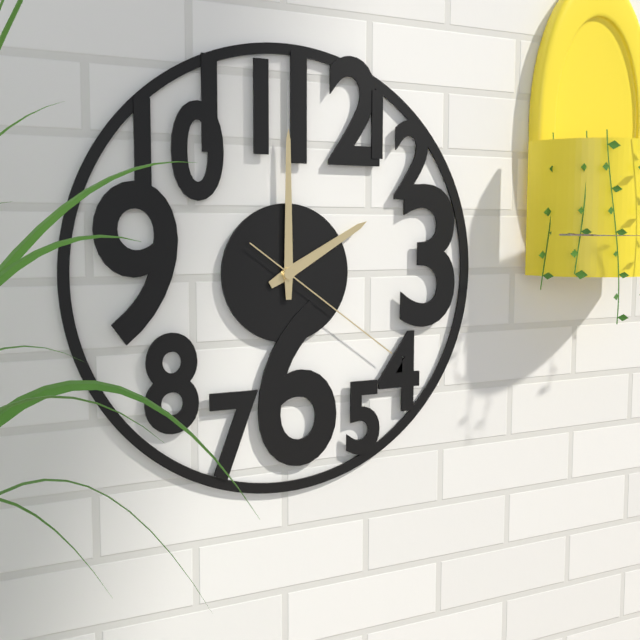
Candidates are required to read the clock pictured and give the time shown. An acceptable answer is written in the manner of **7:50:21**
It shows **2:00:21**
